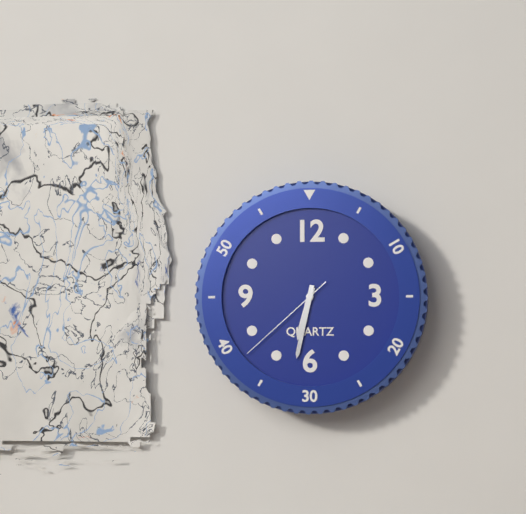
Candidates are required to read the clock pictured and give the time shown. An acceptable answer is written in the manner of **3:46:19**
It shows **6:32:38**
